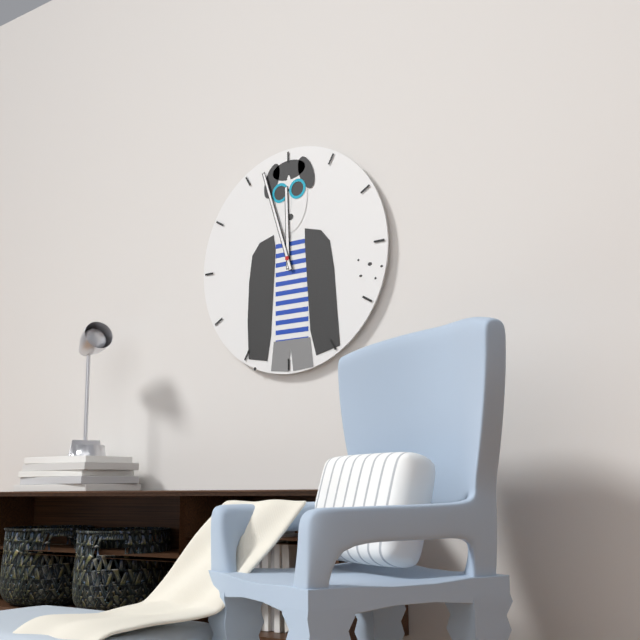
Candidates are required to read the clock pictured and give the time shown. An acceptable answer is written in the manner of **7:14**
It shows **11:57**
